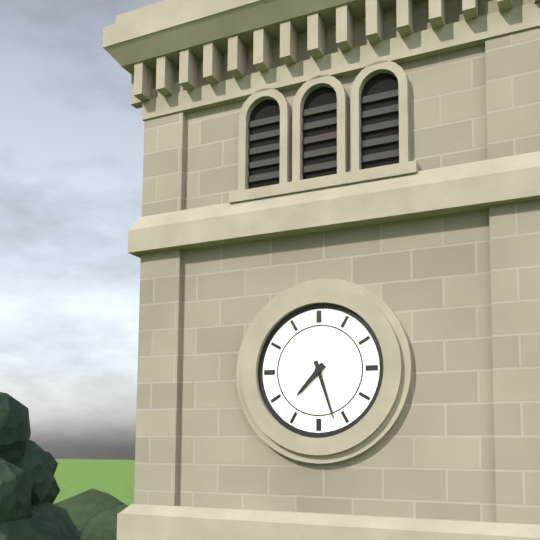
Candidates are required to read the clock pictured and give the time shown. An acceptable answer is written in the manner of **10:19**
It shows **7:27**
